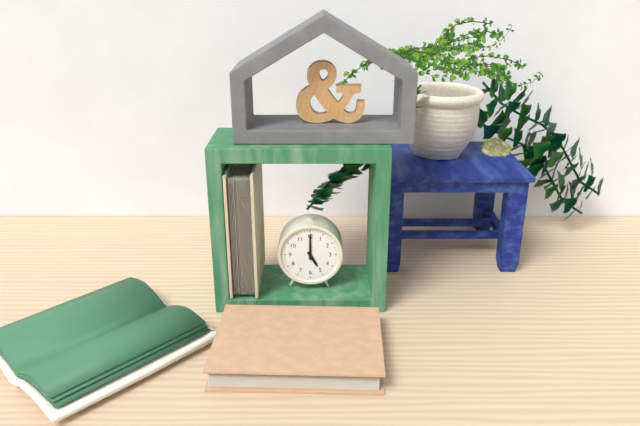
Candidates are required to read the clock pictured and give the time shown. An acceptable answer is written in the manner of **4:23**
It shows **5:00**
